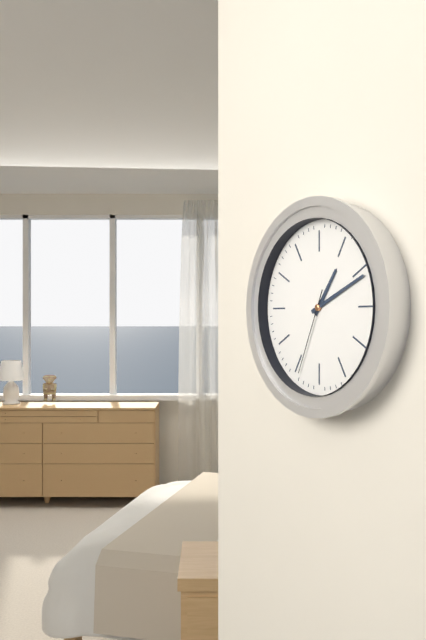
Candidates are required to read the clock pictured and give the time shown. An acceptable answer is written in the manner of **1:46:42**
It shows **1:11:34**
